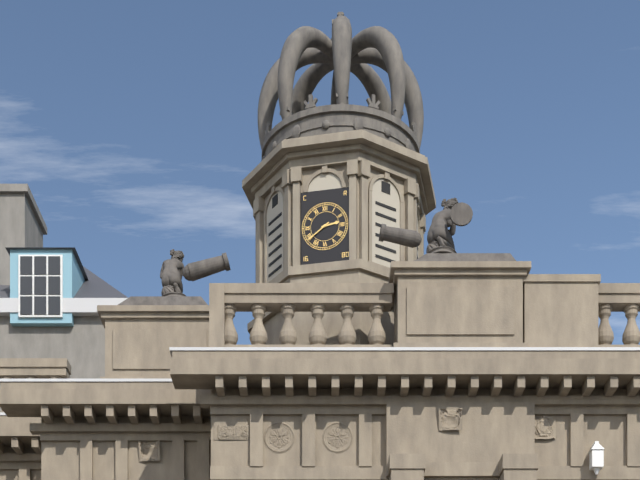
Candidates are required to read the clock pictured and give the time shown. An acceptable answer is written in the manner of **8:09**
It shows **2:39**
